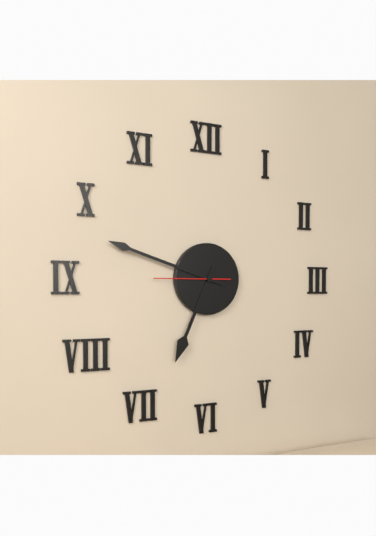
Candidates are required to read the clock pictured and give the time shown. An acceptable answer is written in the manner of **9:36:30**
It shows **6:48:45**
